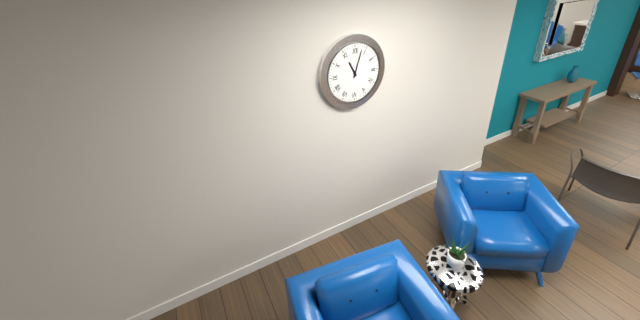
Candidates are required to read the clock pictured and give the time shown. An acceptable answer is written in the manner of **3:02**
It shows **11:03**
